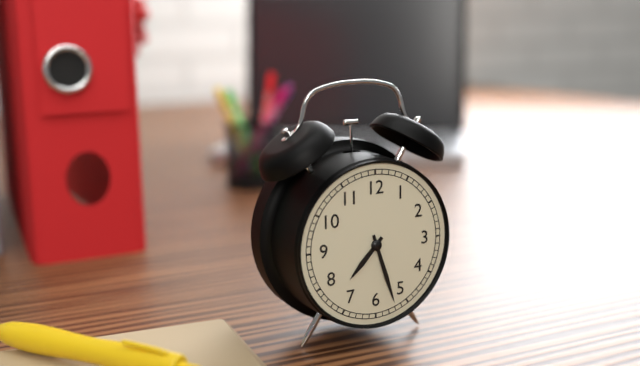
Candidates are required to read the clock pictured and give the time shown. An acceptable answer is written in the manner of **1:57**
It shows **7:27**
